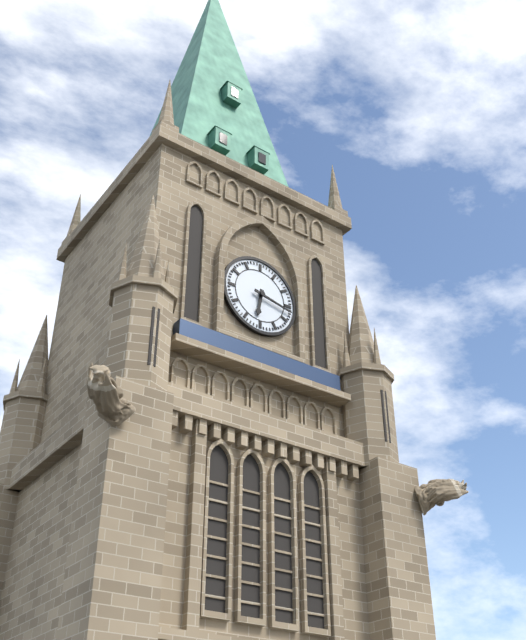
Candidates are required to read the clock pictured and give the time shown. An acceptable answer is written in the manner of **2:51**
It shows **6:17**
